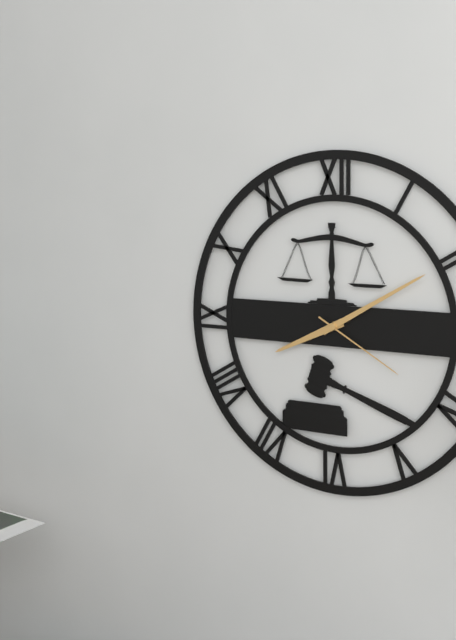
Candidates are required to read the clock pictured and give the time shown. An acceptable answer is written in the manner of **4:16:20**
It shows **8:10:20**
